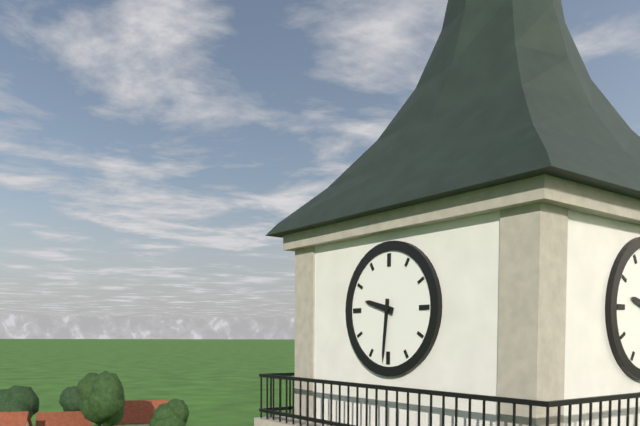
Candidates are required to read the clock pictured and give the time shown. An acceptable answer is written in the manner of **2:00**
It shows **9:31**
